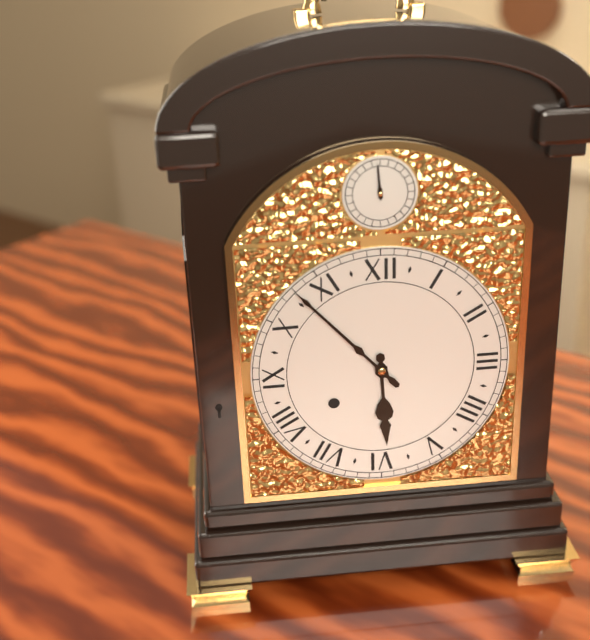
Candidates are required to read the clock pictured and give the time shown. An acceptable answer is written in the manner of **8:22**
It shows **5:53**
